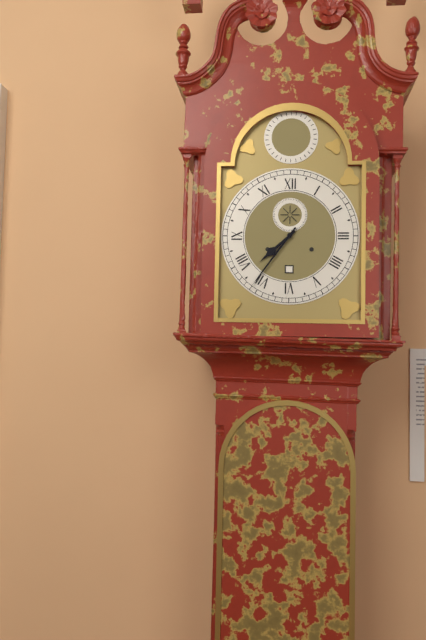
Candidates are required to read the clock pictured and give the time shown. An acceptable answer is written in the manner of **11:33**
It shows **7:36**
